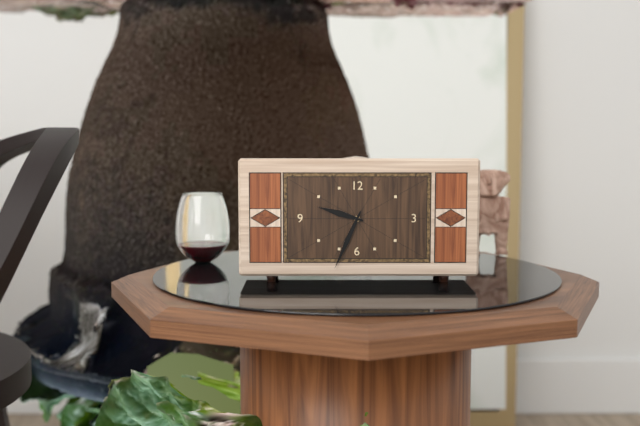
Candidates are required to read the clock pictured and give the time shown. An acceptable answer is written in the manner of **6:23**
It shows **9:34**
